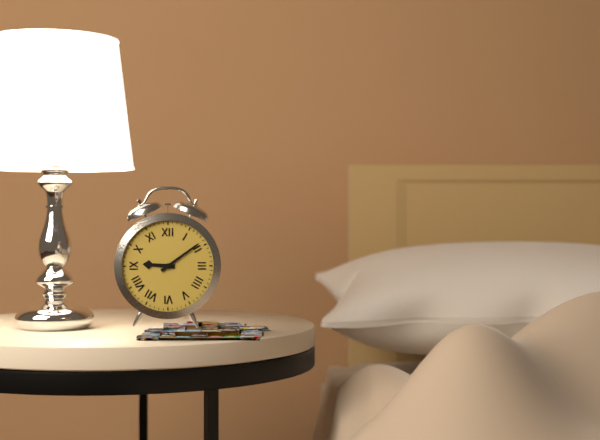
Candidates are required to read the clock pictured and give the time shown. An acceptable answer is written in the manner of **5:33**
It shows **9:09**
